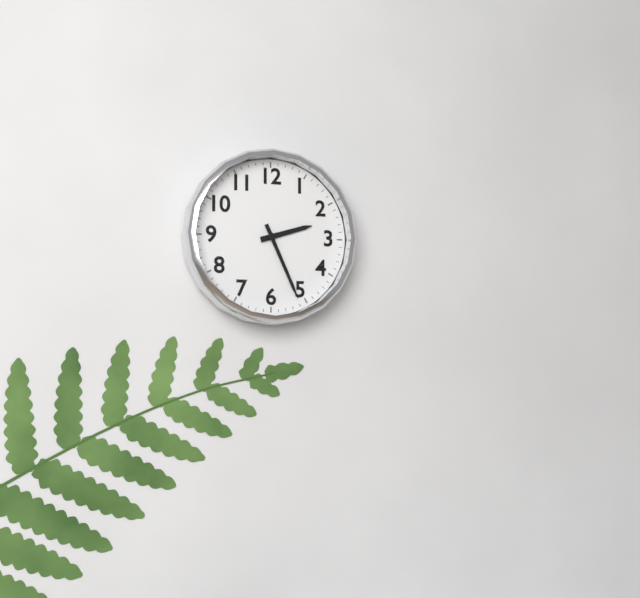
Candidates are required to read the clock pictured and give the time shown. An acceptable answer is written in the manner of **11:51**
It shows **2:26**
